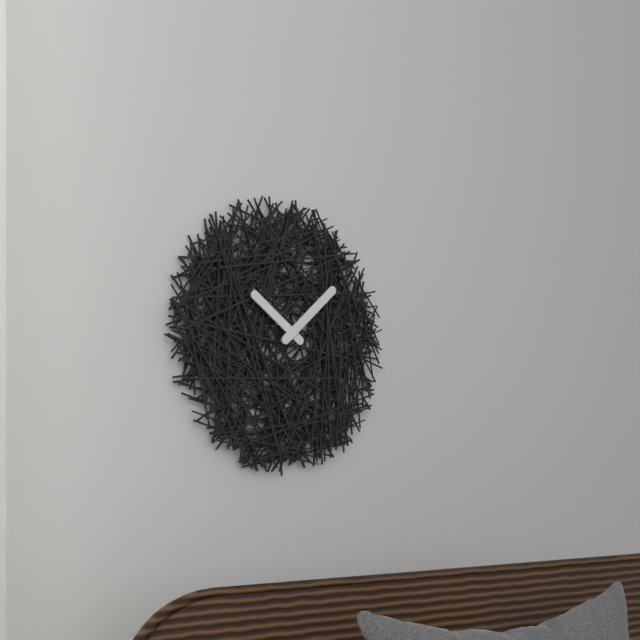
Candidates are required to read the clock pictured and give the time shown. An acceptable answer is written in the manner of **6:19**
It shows **10:08**
